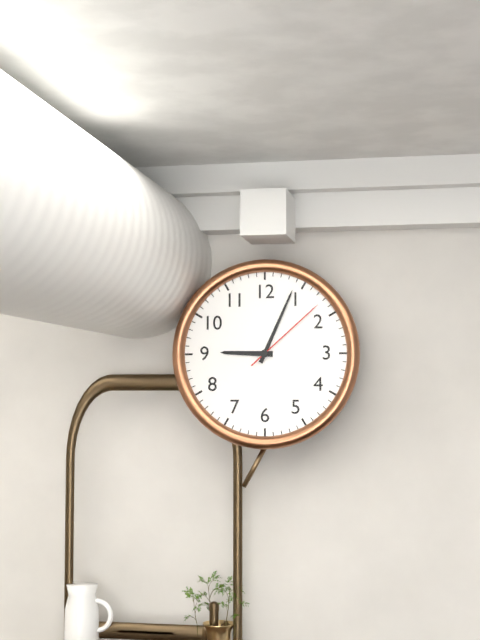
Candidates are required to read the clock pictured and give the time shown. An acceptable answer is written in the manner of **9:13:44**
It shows **9:04:08**
